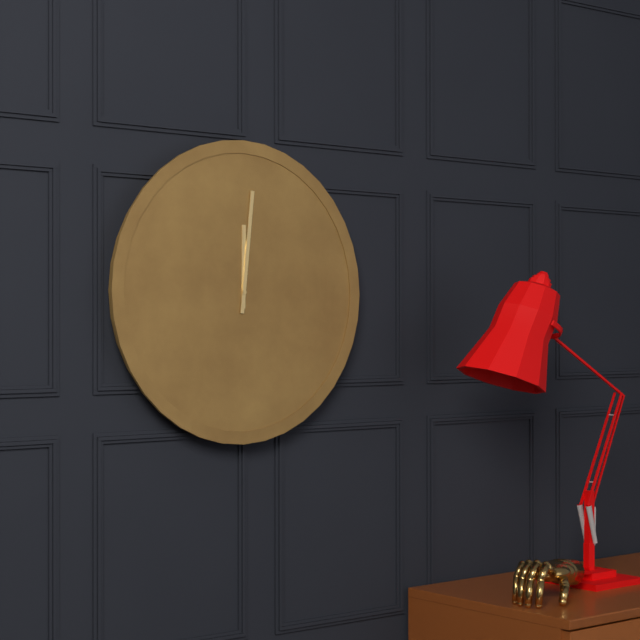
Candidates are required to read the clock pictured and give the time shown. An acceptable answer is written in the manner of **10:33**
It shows **12:01**
